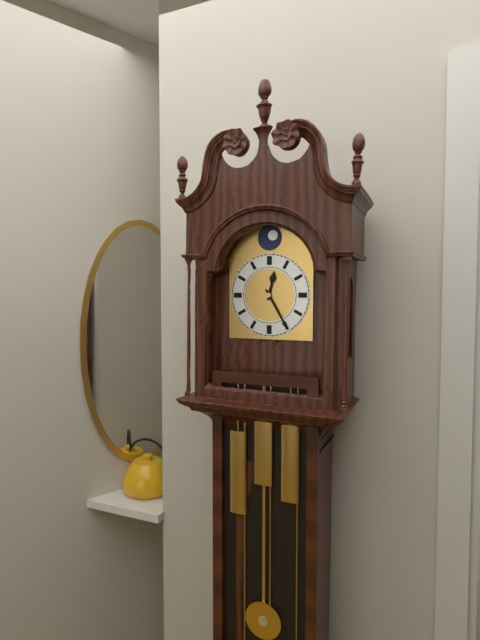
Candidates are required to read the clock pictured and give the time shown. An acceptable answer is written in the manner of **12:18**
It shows **12:25**
